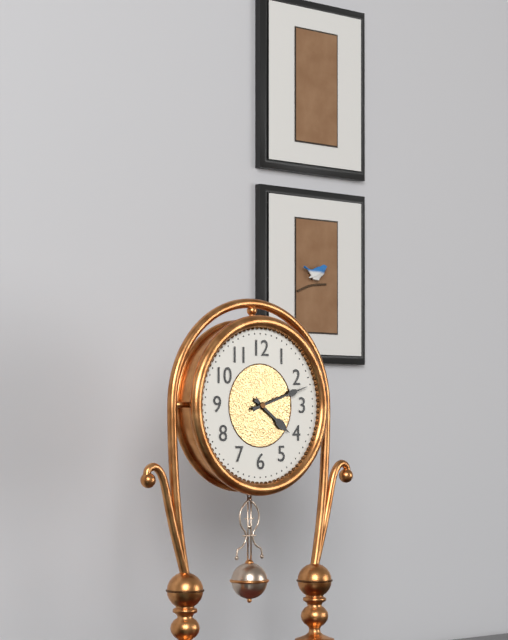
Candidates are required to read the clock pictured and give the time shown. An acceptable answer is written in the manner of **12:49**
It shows **4:12**
